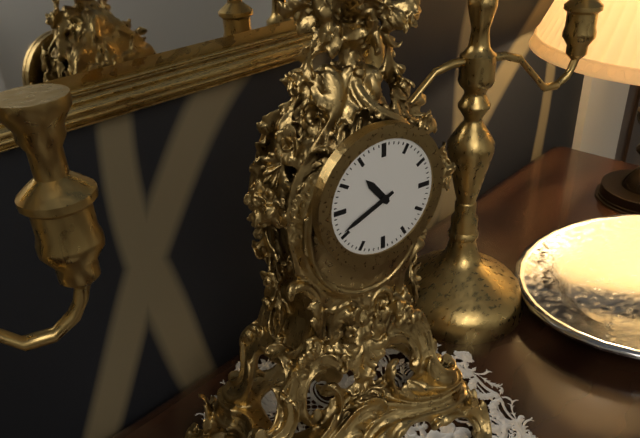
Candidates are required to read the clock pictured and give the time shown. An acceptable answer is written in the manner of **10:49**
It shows **10:41**
